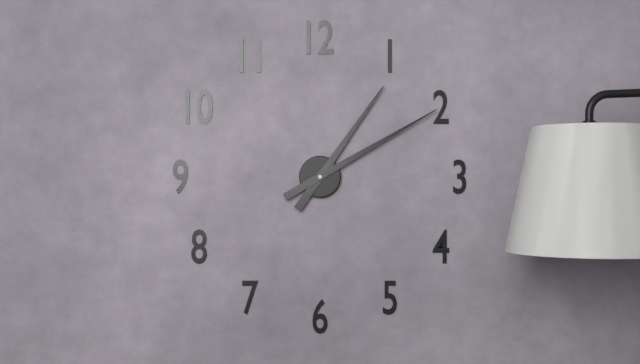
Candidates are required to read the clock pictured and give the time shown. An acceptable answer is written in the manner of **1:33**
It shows **1:10**
